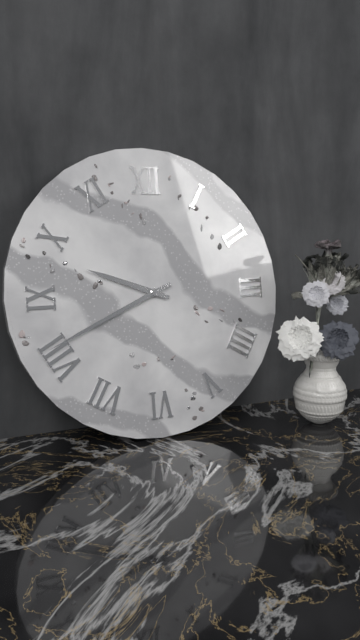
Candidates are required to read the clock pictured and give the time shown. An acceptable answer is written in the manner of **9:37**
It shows **9:41**
